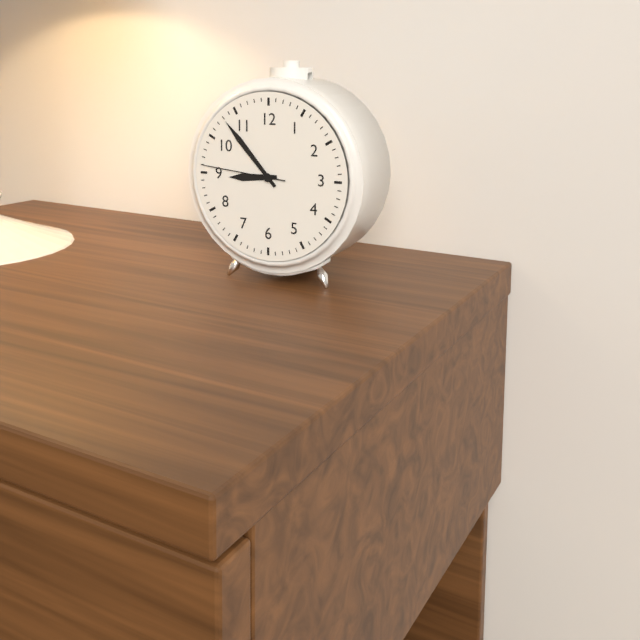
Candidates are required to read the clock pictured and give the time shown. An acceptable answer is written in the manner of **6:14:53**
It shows **8:53:46**
